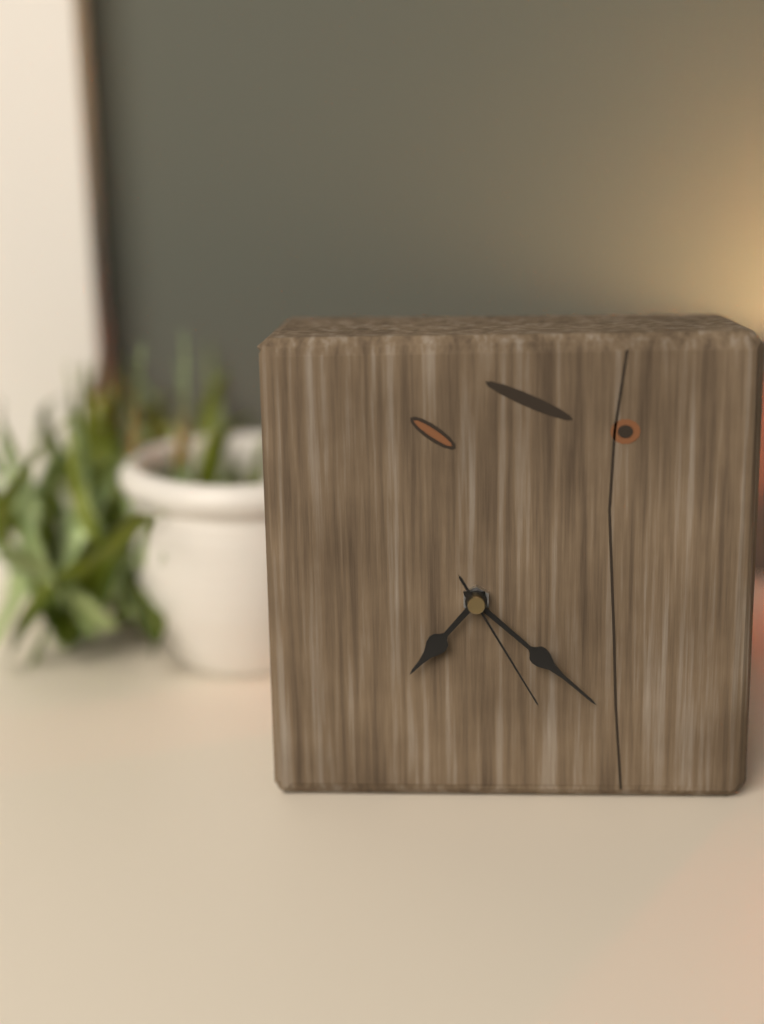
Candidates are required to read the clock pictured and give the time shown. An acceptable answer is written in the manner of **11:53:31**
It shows **7:22:25**
